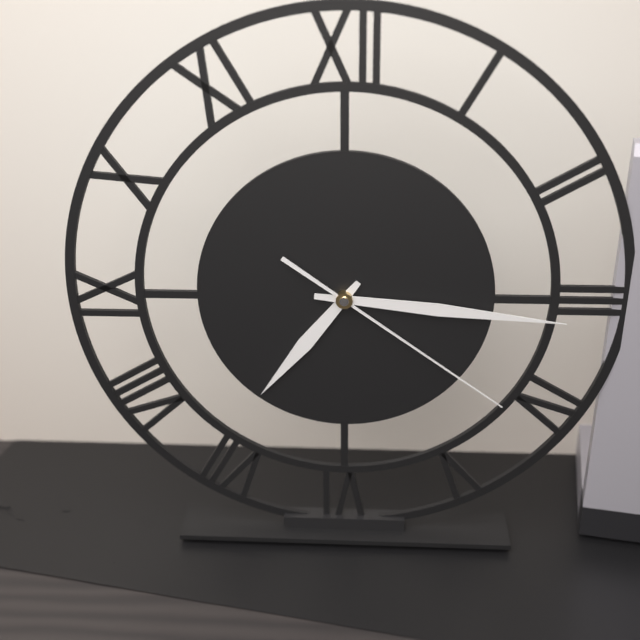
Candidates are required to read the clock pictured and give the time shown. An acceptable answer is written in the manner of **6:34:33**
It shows **7:16:21**
